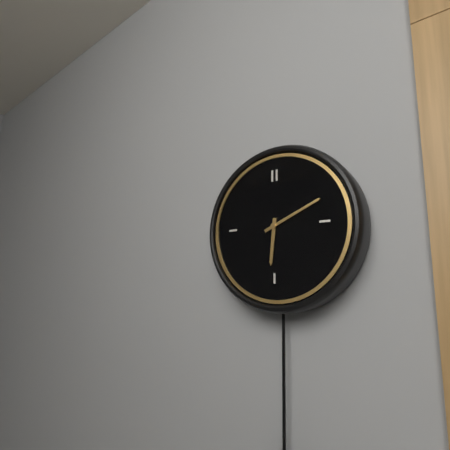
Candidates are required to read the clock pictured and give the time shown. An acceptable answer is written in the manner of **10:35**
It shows **6:11**
